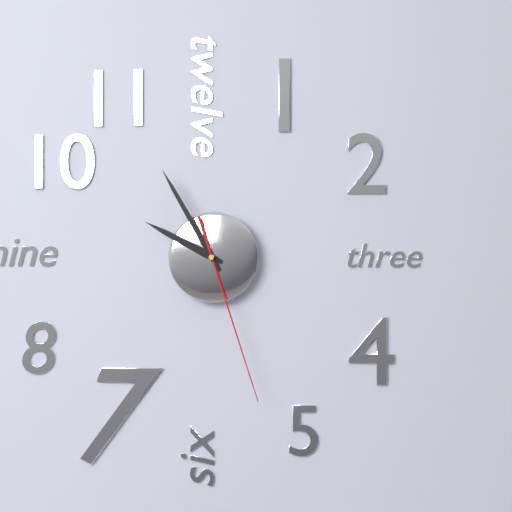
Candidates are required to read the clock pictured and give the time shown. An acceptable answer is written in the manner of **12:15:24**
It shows **9:55:27**
